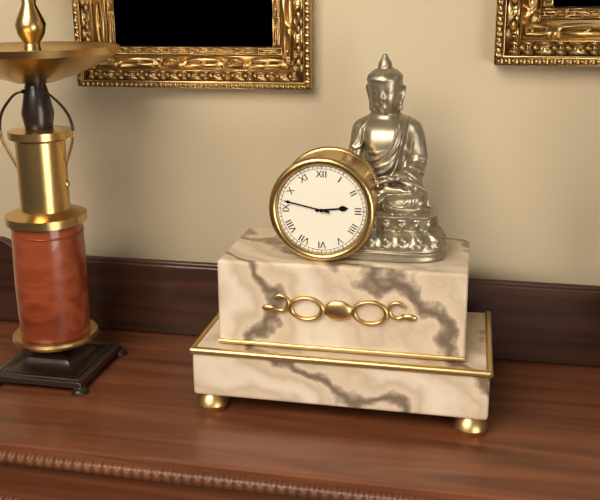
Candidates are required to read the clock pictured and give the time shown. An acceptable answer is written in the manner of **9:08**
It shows **2:47**
